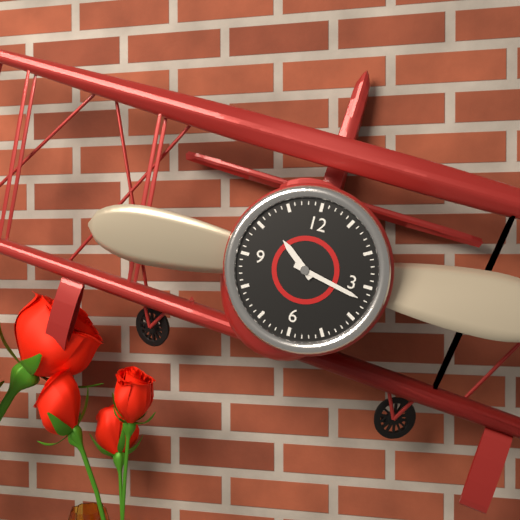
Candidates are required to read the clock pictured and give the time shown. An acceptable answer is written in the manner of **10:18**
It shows **10:17**
